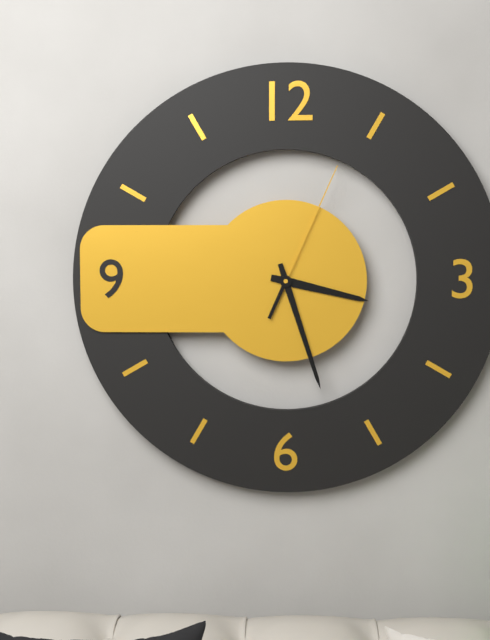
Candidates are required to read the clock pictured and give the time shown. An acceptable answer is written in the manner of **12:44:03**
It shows **3:27:04**
